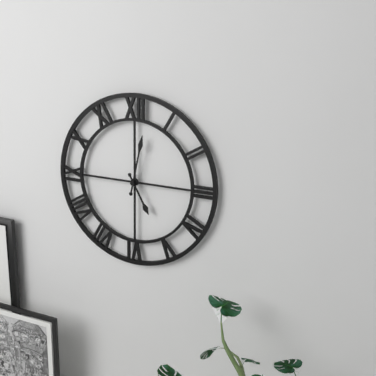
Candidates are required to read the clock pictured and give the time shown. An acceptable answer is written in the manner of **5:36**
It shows **5:02**
